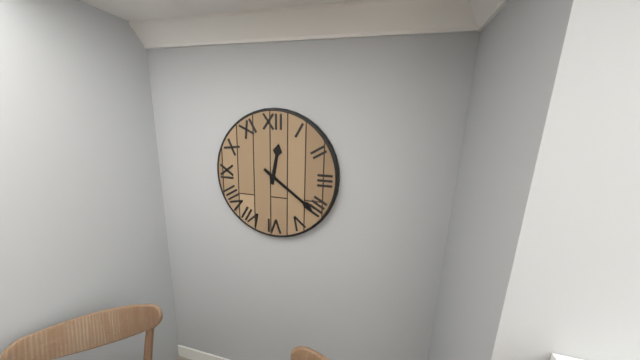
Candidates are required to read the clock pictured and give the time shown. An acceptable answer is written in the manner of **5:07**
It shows **12:21**
